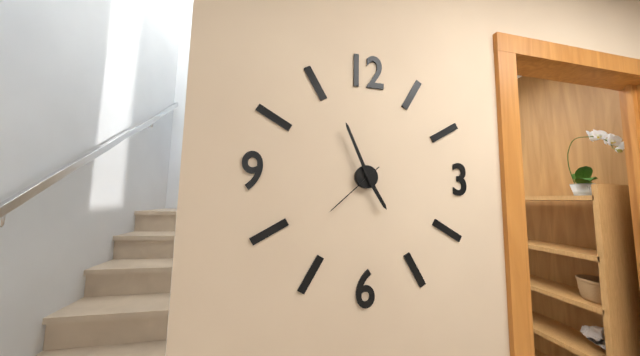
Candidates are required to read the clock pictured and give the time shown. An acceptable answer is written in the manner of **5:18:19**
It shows **4:56:38**
